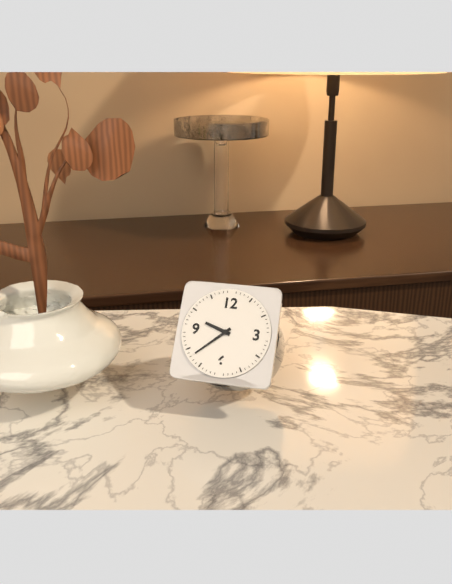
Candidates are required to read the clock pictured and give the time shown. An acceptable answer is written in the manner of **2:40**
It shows **9:38**
